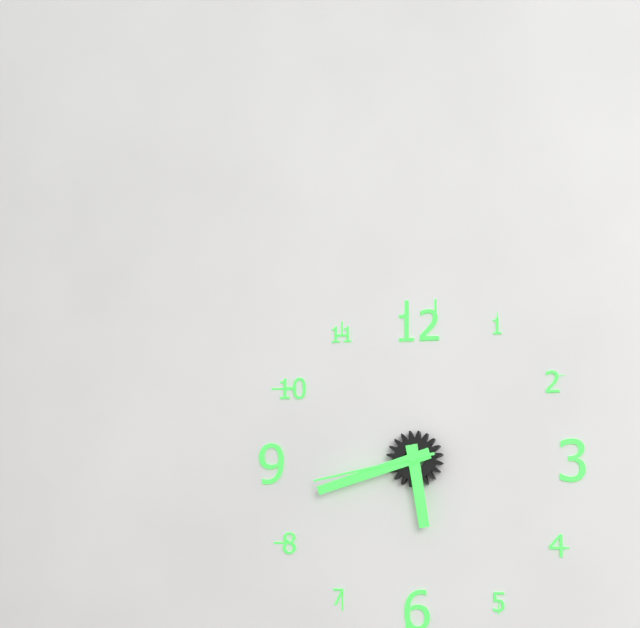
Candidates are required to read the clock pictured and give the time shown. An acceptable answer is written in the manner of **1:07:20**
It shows **5:42:43**
